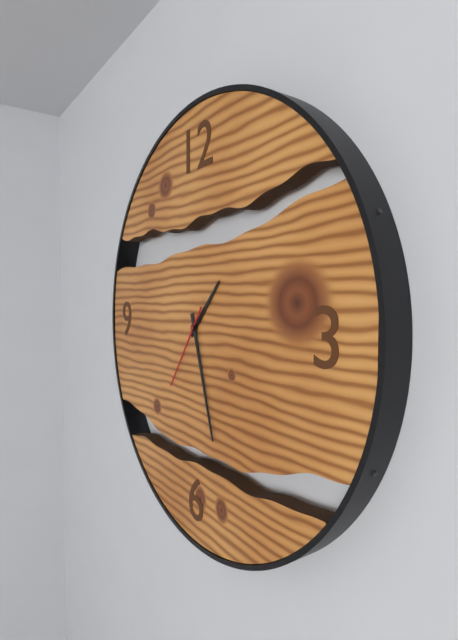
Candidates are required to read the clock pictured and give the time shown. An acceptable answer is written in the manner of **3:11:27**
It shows **1:27:36**
